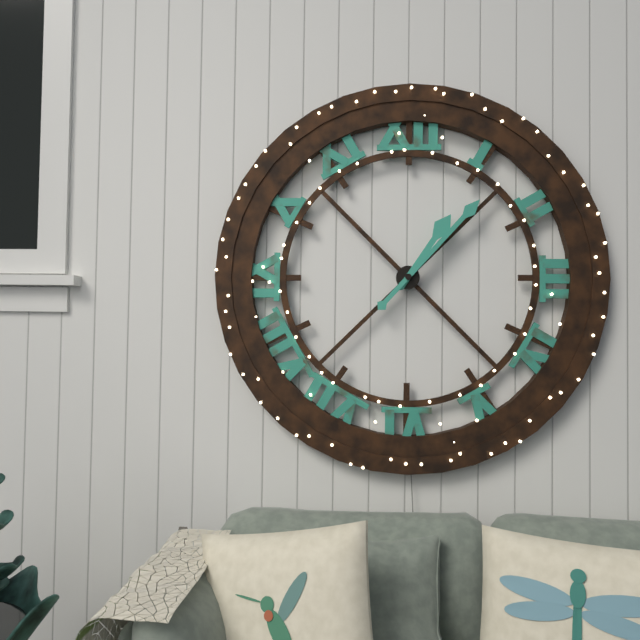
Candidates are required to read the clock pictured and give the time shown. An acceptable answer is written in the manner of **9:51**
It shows **1:07**
